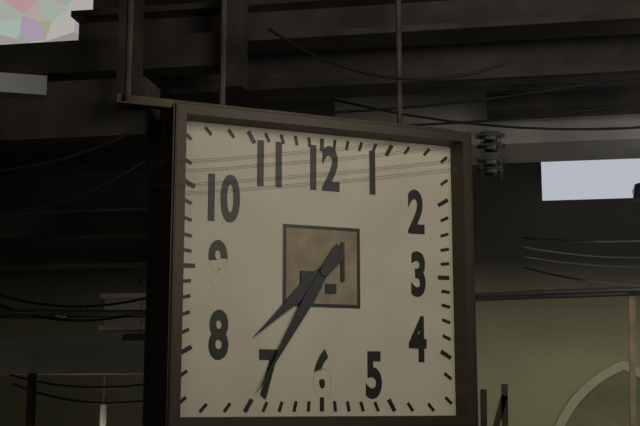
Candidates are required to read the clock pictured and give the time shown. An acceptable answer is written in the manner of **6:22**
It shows **7:35**
